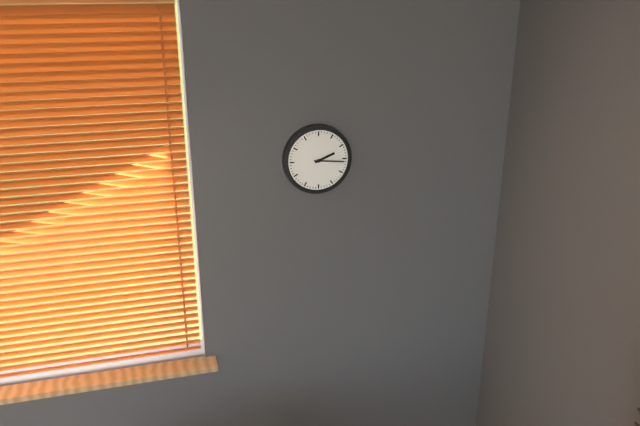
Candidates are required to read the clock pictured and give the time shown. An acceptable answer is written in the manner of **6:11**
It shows **2:16**
